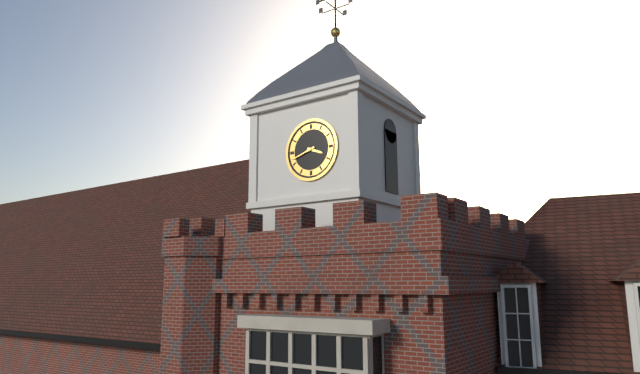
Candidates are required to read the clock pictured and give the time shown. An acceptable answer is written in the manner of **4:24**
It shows **3:42**
